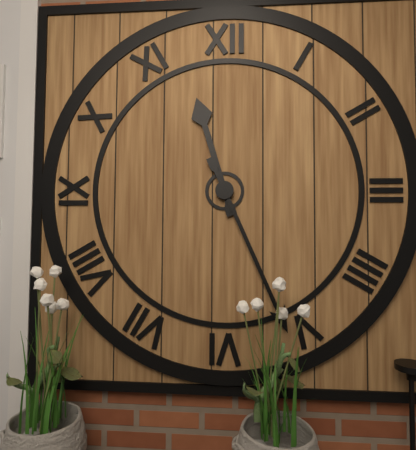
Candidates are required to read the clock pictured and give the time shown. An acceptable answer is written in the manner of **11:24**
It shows **11:26**
